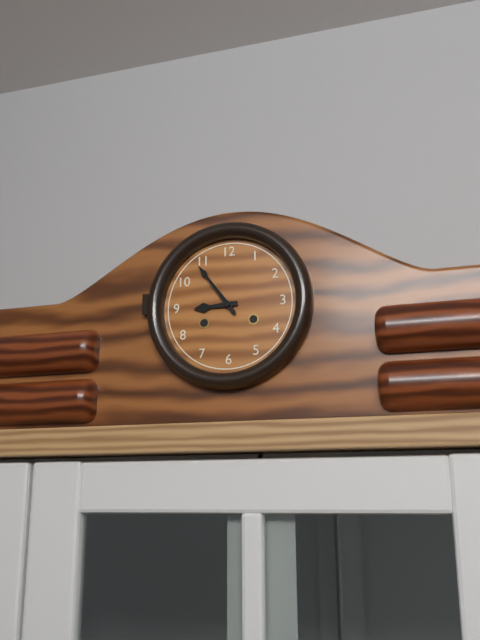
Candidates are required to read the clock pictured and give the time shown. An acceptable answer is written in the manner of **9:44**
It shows **8:54**
